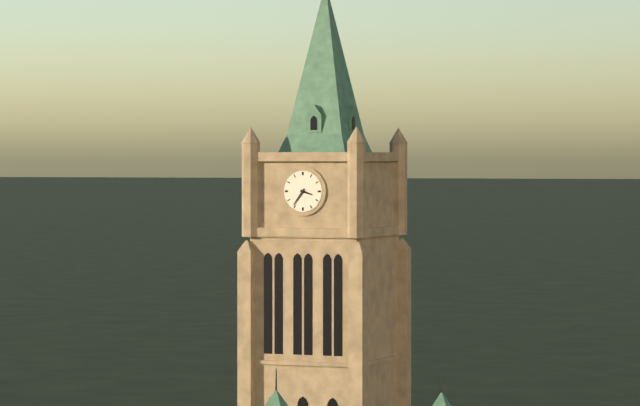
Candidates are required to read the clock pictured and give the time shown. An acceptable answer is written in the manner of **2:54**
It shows **3:36**
